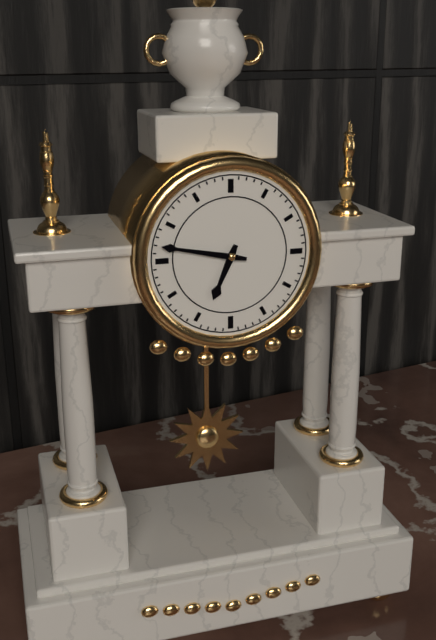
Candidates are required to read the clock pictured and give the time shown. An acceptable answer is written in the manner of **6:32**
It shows **6:47**
